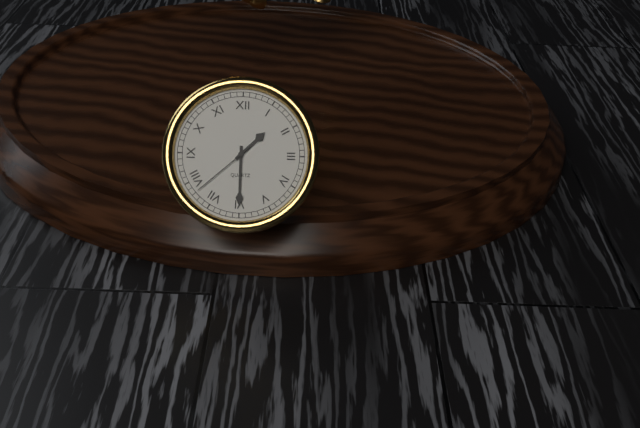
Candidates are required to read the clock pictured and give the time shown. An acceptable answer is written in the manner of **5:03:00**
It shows **1:30:38**
